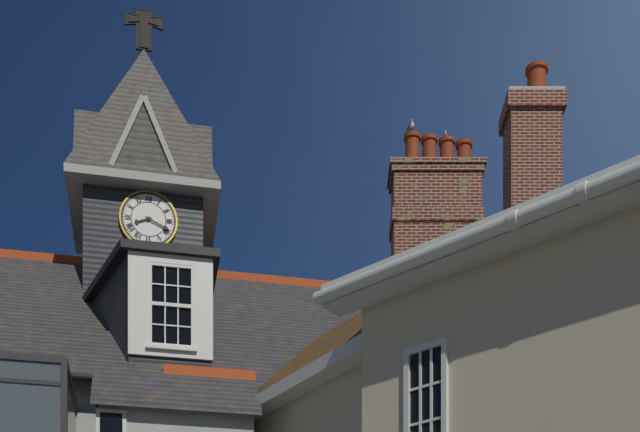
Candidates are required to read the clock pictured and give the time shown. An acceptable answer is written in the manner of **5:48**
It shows **8:19**
